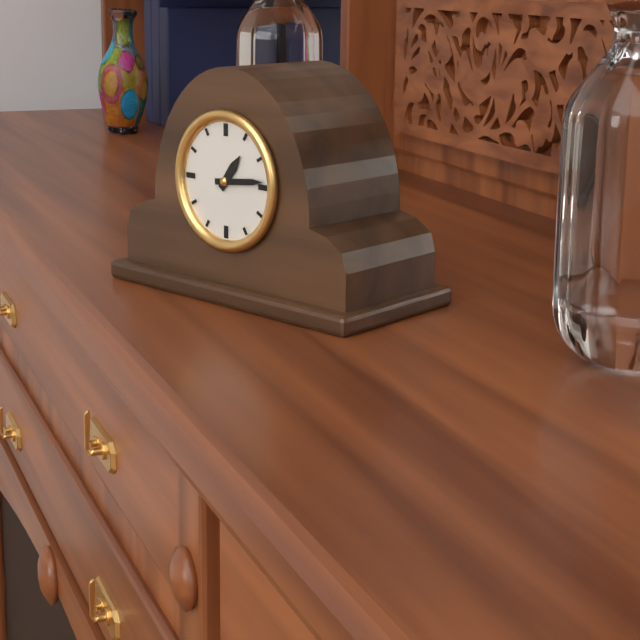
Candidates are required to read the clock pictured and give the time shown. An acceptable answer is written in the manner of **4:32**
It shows **1:14**
